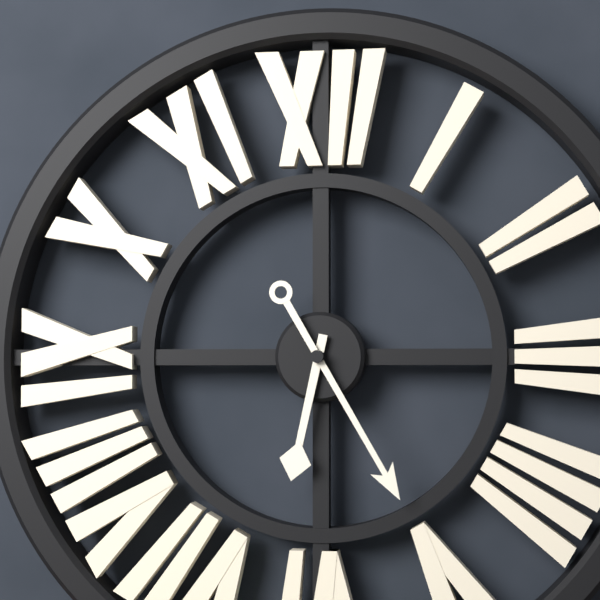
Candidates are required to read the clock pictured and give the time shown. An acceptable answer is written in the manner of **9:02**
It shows **6:25**
